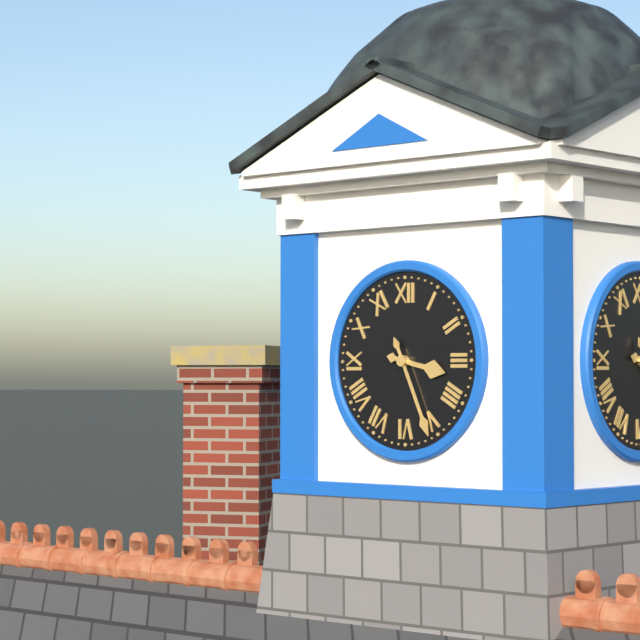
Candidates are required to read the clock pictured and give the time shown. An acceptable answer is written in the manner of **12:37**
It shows **3:26**
